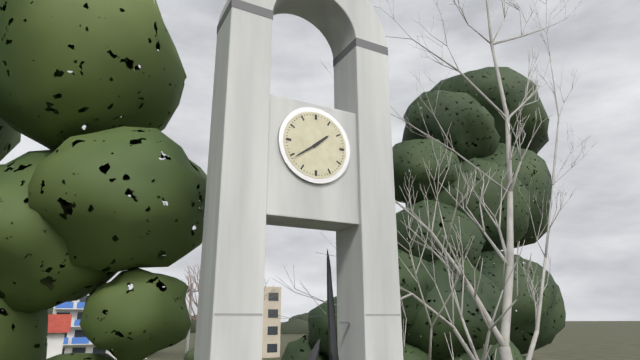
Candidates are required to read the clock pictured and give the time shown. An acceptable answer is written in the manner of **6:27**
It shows **1:39**
